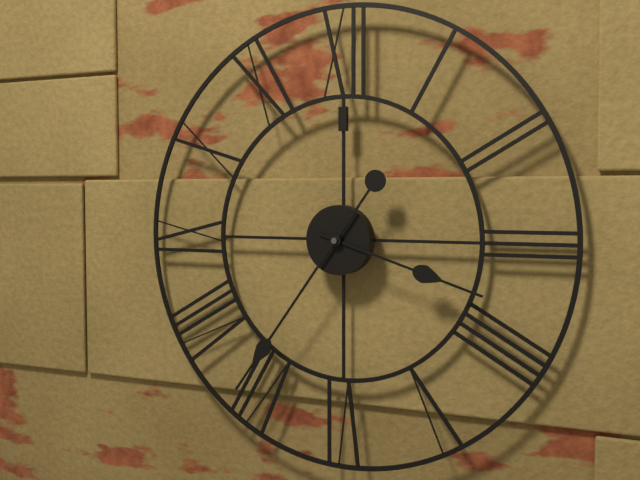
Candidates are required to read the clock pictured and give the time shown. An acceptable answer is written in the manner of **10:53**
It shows **3:36**
